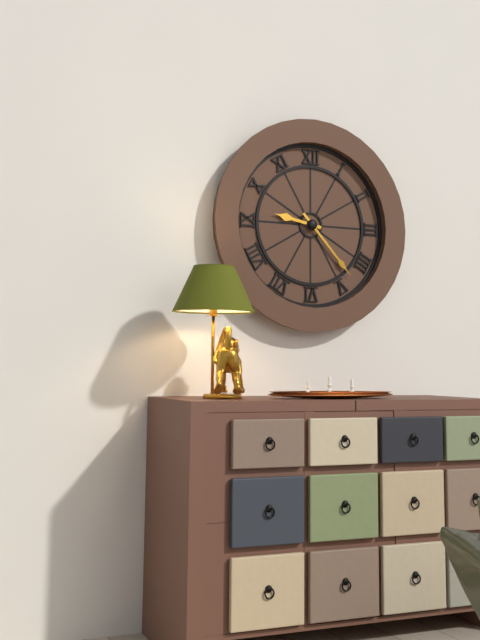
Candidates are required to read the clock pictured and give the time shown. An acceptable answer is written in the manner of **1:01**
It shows **9:23**
